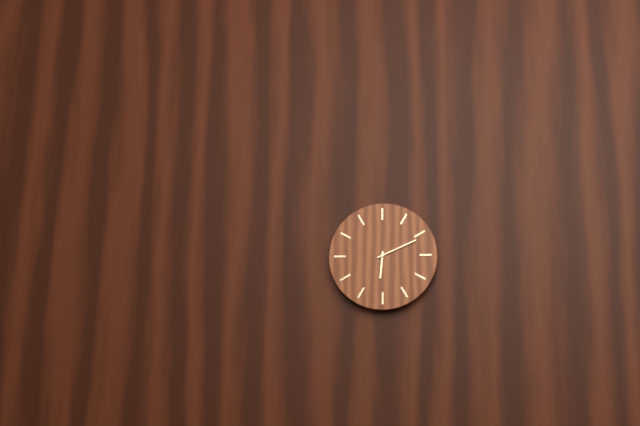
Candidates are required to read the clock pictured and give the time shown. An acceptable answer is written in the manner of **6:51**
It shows **6:11**
